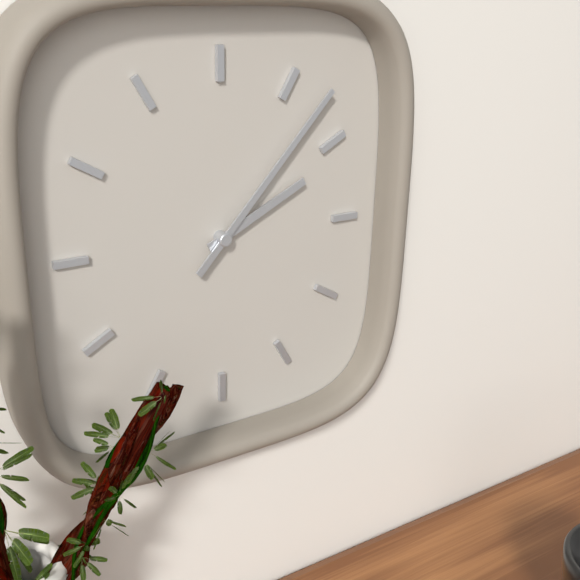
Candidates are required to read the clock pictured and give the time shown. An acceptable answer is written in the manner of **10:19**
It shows **2:07**
